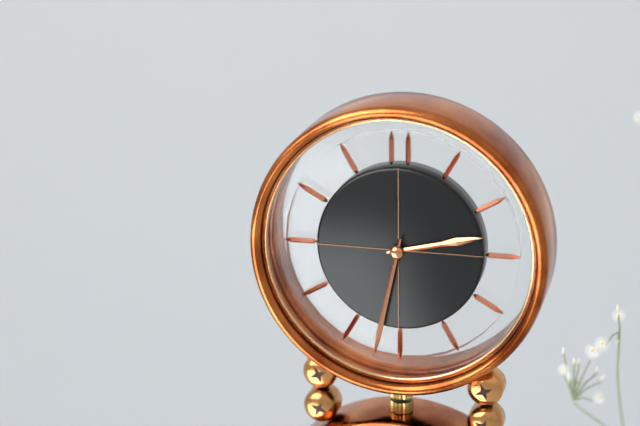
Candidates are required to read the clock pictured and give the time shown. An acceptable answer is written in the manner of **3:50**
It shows **2:32**
